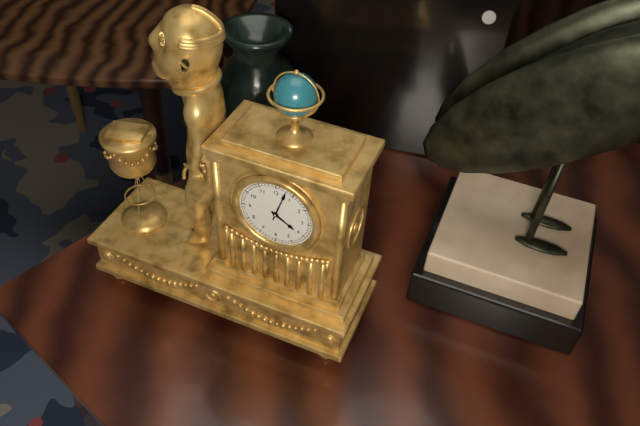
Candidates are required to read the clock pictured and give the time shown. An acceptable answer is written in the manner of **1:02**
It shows **4:03**
